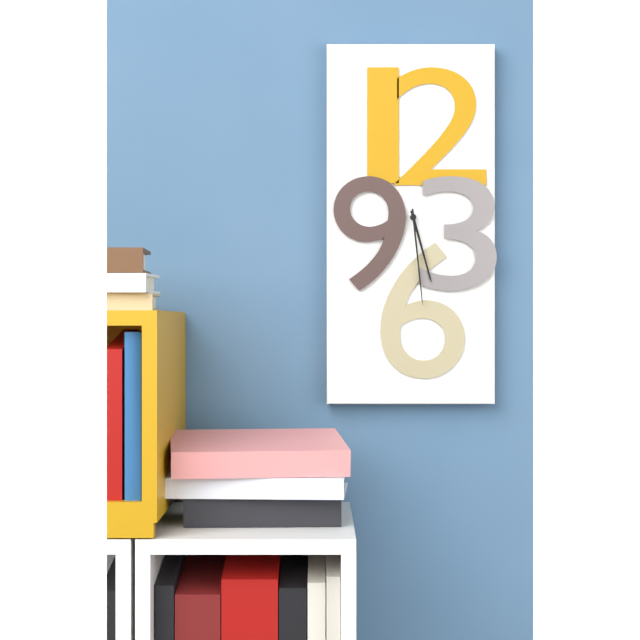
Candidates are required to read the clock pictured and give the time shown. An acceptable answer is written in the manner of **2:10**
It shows **5:29**
